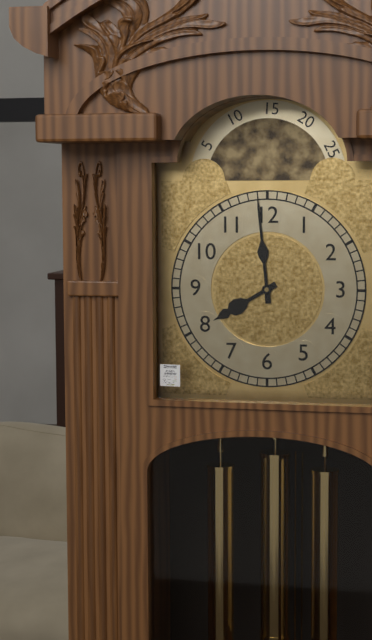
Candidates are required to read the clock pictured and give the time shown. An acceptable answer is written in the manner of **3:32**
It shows **7:59**
